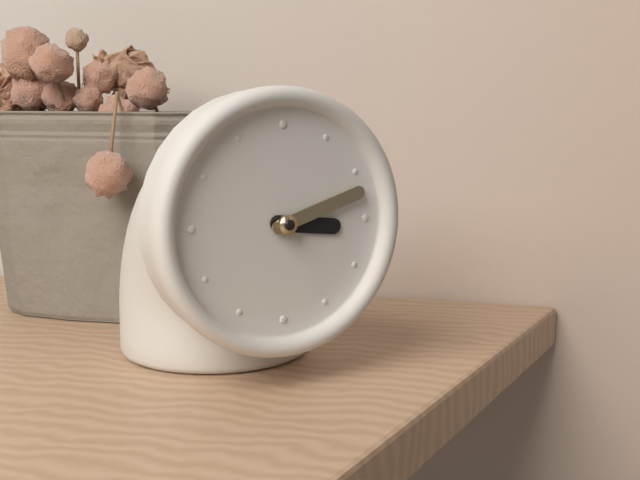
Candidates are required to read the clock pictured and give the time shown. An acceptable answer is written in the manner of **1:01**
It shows **3:12**
